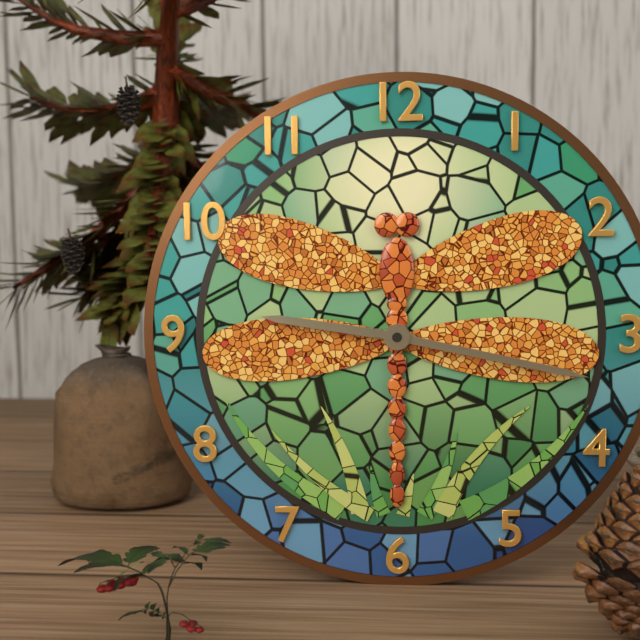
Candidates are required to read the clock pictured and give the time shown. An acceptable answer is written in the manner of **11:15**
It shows **9:17**
